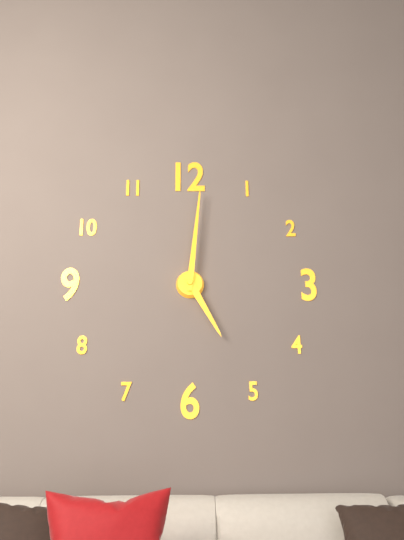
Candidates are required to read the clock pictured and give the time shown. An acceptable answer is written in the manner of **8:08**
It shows **5:01**
